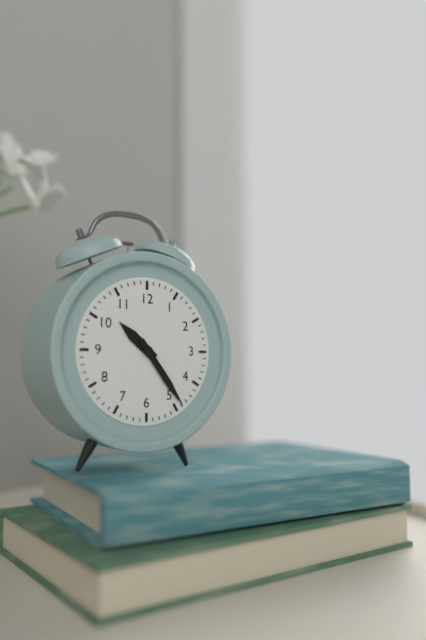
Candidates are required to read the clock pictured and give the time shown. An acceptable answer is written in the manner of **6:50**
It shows **10:24**
